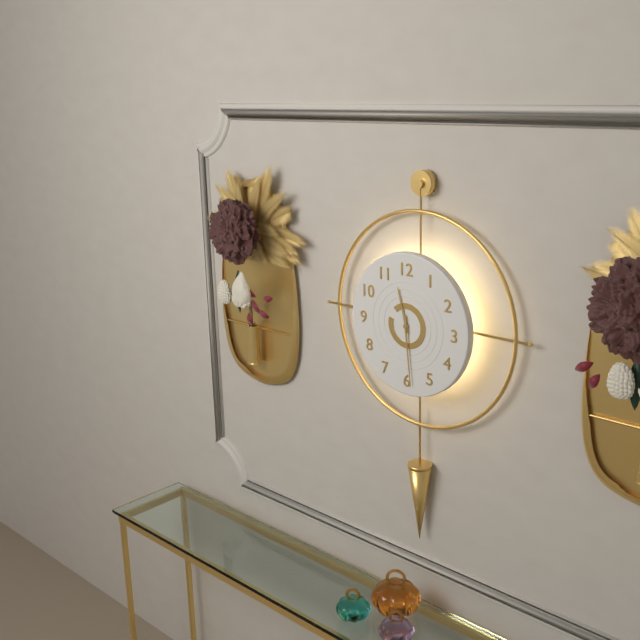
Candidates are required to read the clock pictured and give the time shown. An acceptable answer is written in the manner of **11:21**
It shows **11:29**
